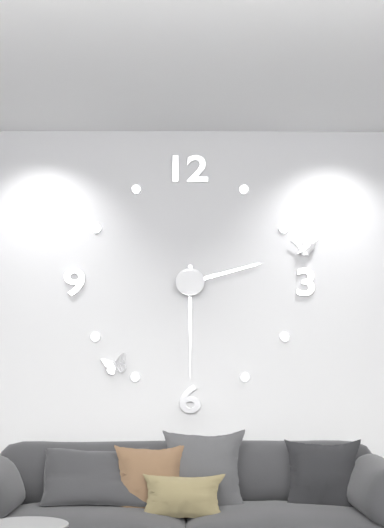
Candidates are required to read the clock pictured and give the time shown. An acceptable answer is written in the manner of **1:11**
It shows **2:30**
